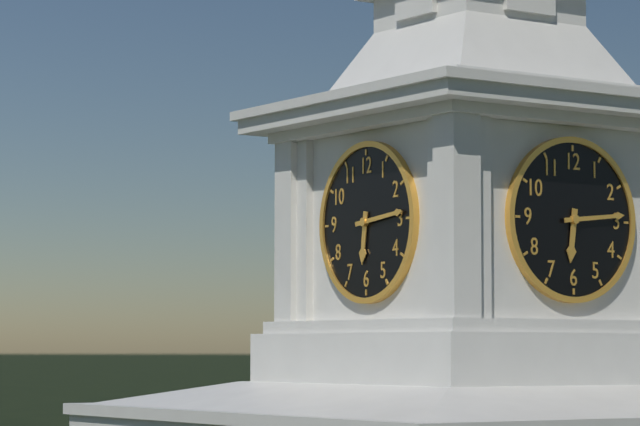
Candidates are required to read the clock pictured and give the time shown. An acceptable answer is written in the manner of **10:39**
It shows **6:14**
